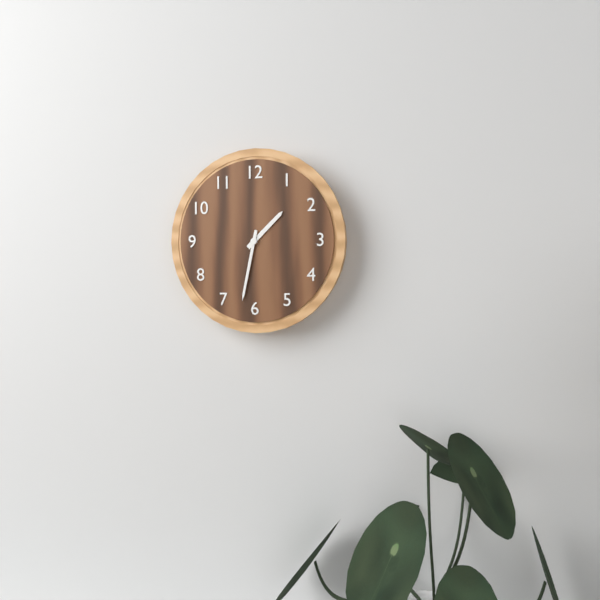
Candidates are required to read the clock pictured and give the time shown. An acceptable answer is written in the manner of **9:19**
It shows **1:32**
